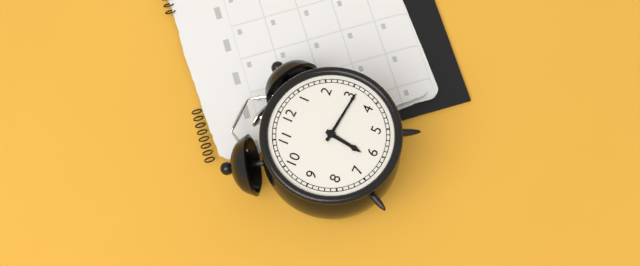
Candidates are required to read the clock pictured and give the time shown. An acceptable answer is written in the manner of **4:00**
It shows **6:16**
